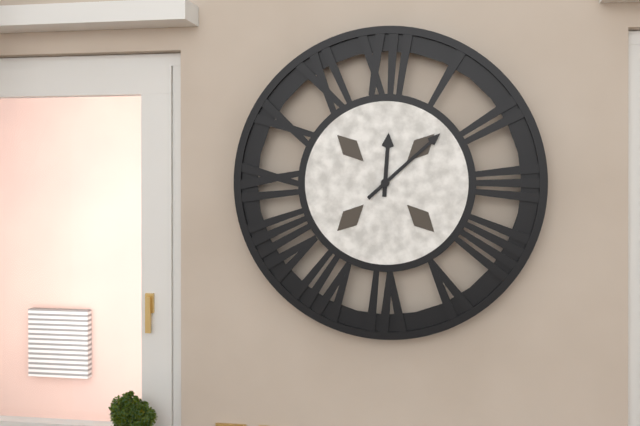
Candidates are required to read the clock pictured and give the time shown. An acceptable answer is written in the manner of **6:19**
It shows **12:08**
